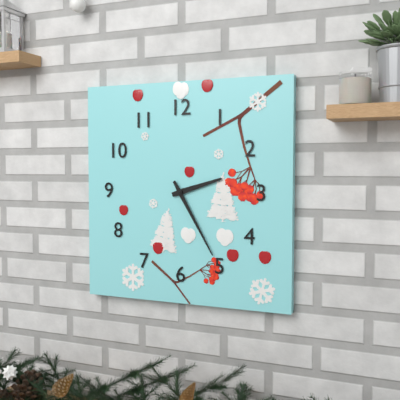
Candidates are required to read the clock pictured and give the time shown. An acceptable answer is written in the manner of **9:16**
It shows **2:25**
